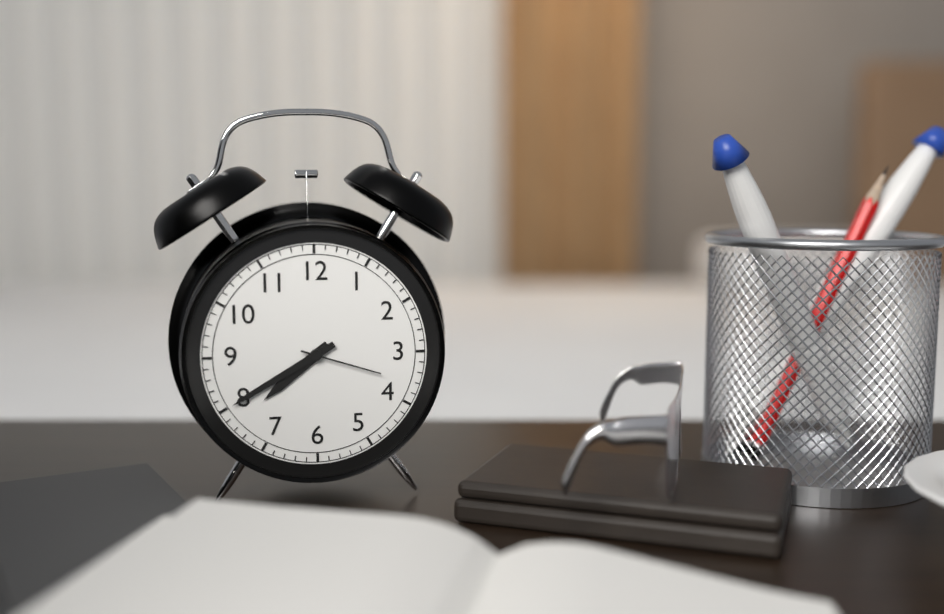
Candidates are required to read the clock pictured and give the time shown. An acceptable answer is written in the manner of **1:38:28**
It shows **7:40:18**
